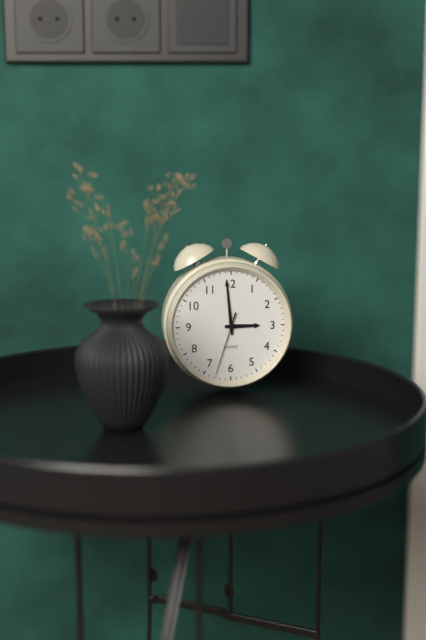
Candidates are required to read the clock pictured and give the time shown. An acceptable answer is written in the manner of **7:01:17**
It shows **2:59:33**
